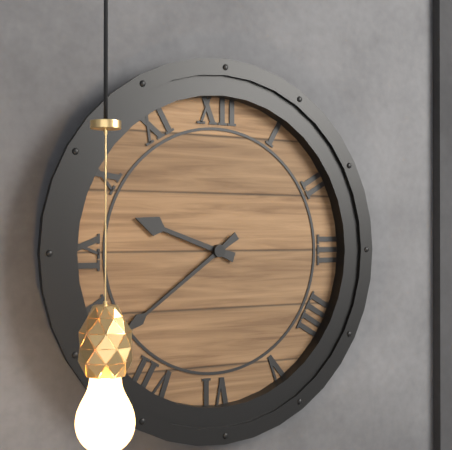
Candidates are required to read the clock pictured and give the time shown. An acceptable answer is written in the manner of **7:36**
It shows **9:39**
